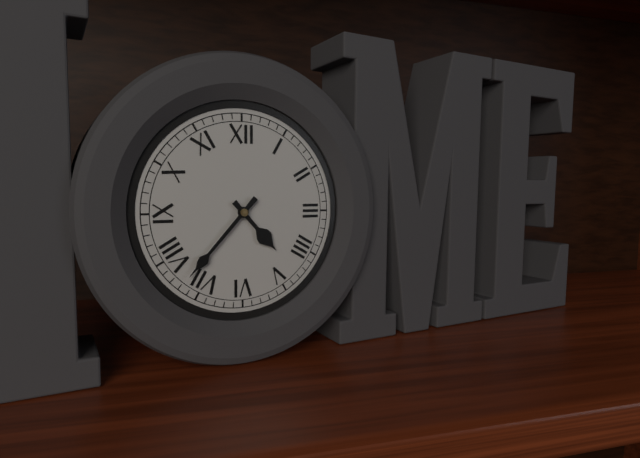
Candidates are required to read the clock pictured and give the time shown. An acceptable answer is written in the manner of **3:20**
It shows **4:37**
